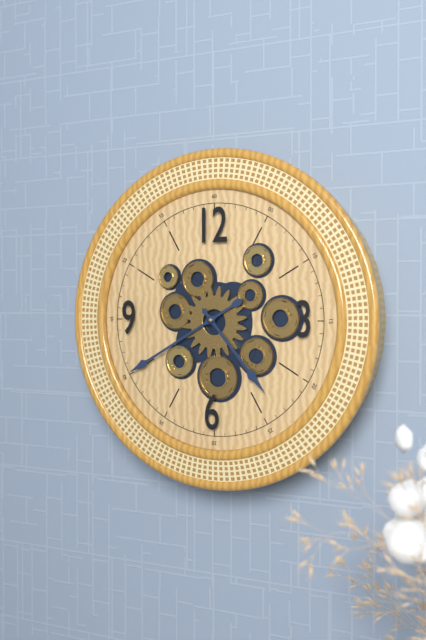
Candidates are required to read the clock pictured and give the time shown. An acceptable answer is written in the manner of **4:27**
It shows **4:40**
